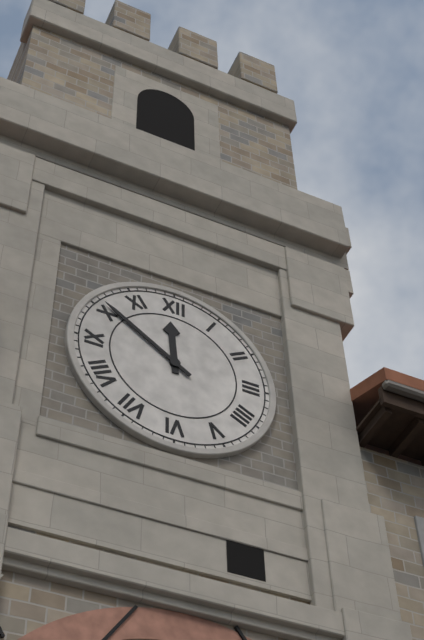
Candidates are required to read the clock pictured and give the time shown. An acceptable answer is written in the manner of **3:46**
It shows **11:51**
